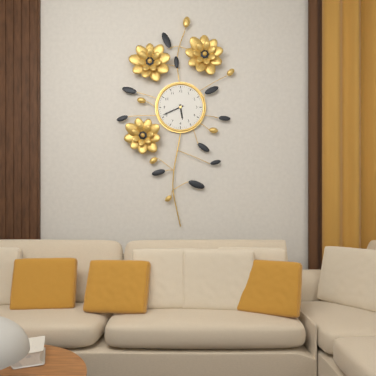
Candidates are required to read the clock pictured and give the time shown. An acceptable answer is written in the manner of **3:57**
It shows **5:41**
